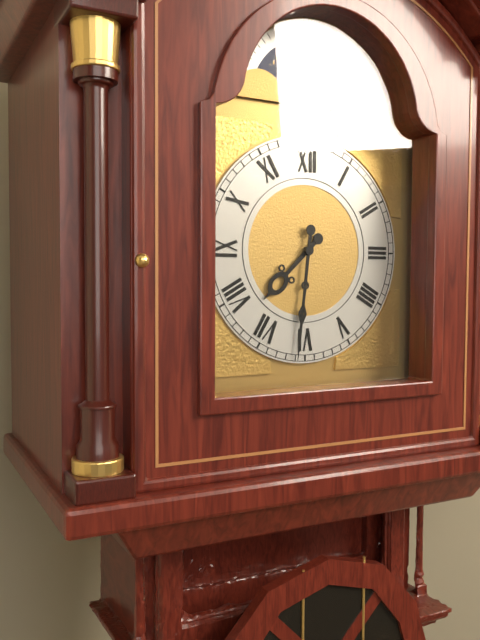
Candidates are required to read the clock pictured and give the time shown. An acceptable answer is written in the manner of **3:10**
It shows **7:31**
